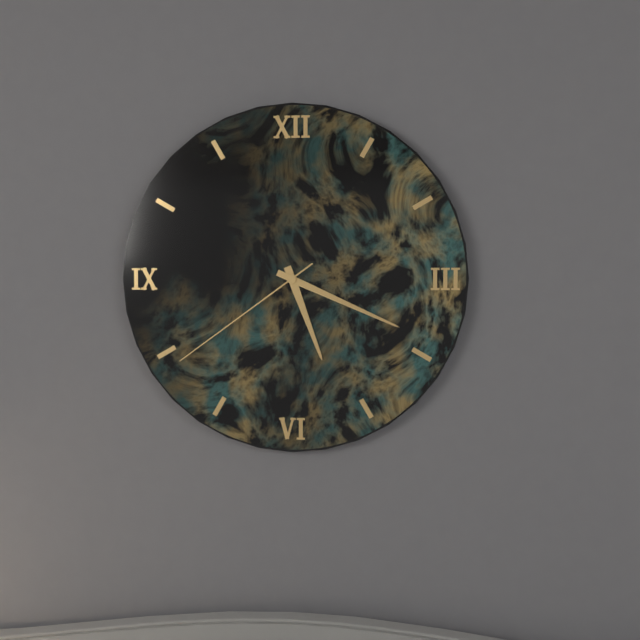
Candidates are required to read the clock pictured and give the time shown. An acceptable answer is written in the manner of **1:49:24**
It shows **5:19:39**
